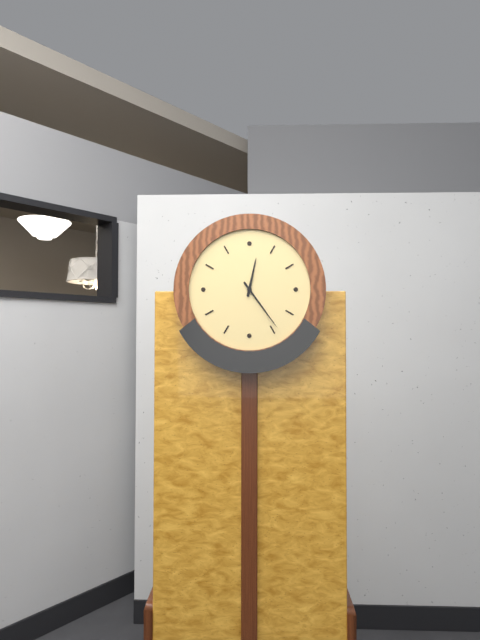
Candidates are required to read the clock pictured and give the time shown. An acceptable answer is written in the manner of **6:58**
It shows **12:24**
